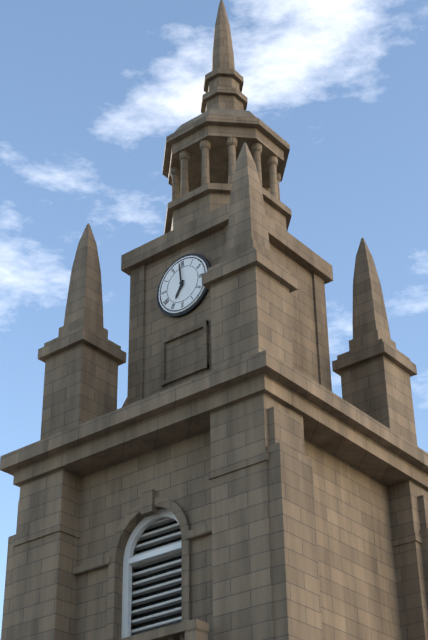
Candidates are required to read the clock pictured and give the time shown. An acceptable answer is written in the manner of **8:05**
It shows **6:59**
